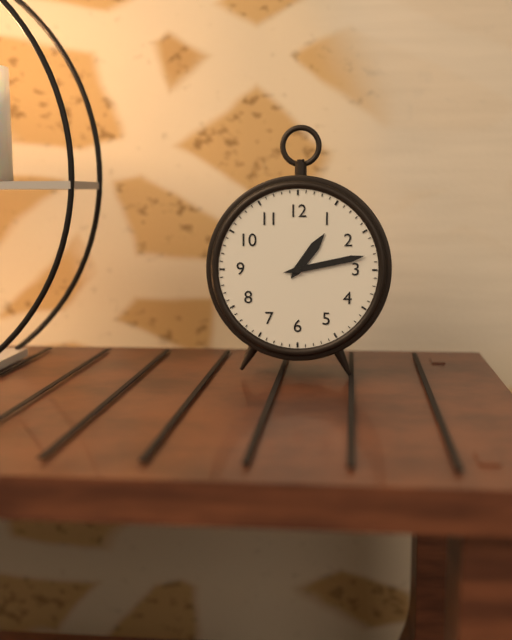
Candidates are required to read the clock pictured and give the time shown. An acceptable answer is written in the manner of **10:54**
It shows **1:13**
